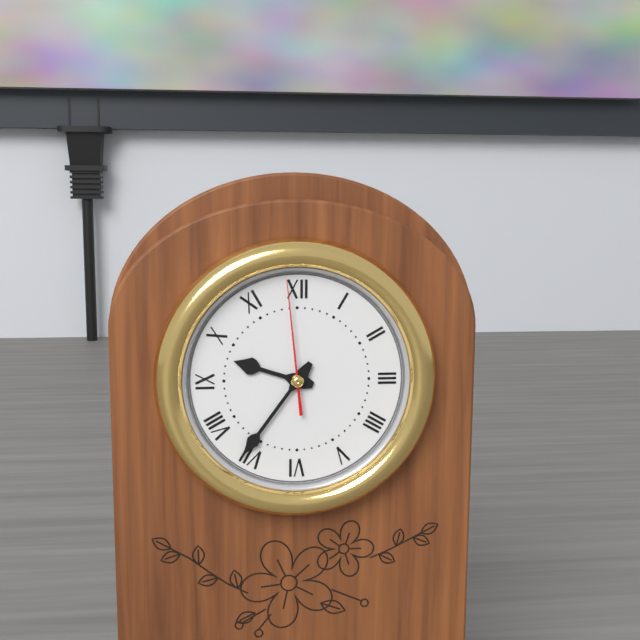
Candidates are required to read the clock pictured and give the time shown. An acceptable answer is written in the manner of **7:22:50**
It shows **9:36:59**
